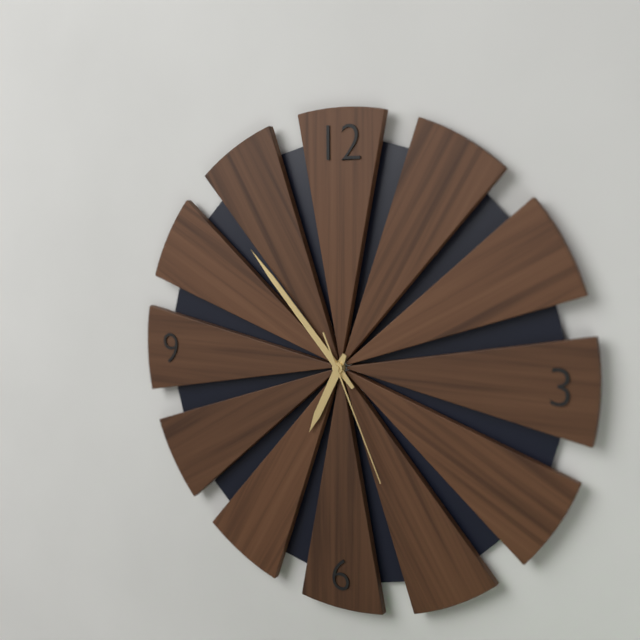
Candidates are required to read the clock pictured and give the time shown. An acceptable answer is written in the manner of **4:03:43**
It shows **6:53:26**
